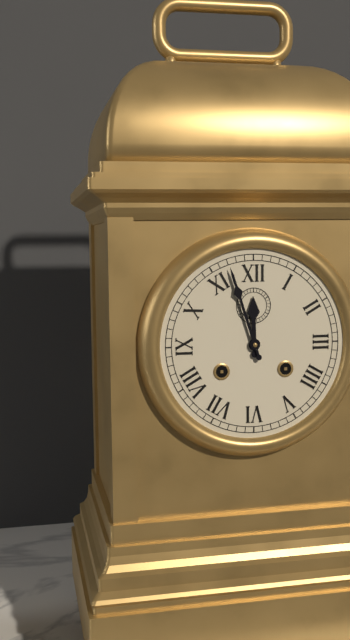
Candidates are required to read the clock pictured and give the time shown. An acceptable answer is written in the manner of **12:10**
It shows **11:57**
